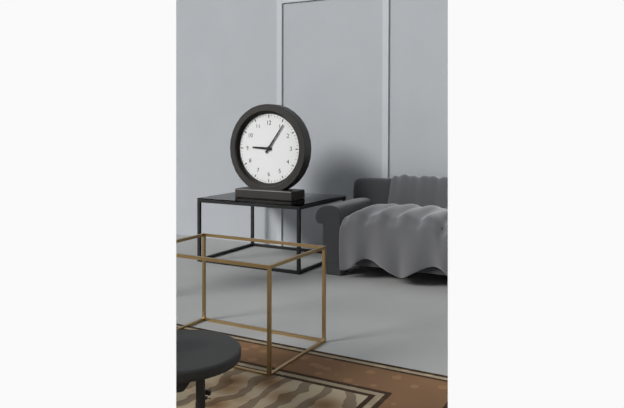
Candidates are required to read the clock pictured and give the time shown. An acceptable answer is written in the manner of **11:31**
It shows **9:06**
